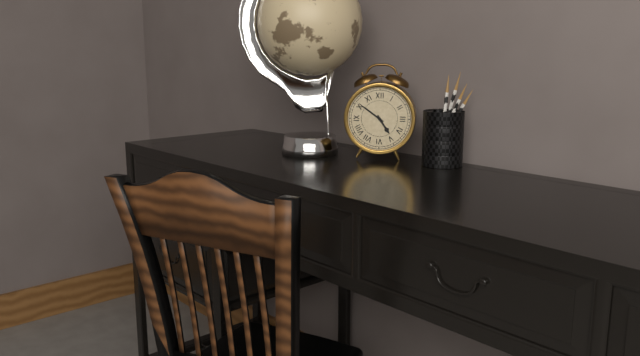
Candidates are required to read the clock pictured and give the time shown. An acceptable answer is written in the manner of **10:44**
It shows **4:51**
